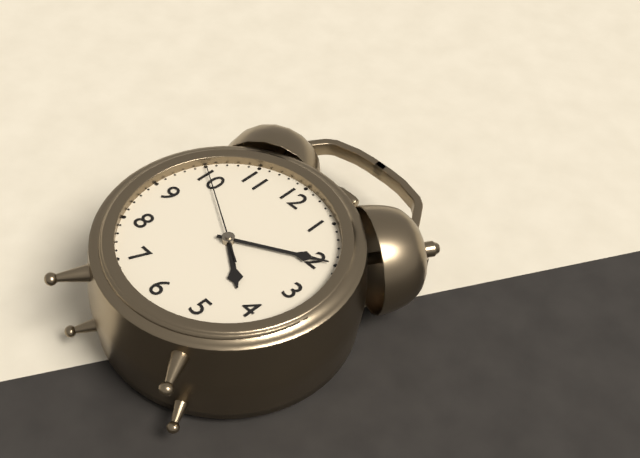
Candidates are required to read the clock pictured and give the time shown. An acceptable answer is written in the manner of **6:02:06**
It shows **4:10:50**
